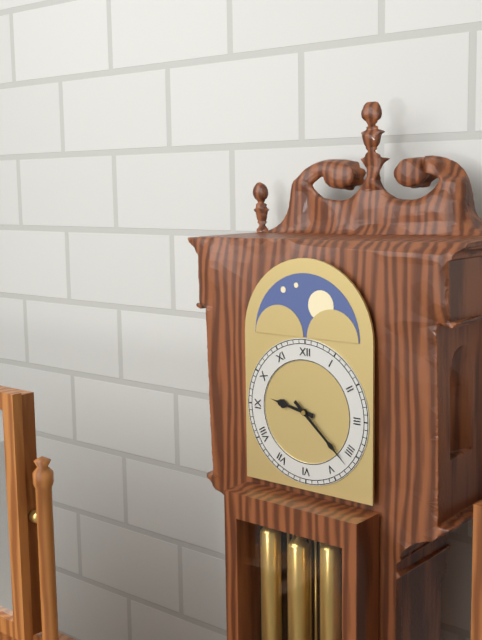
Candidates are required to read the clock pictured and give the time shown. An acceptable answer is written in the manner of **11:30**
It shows **9:22**
